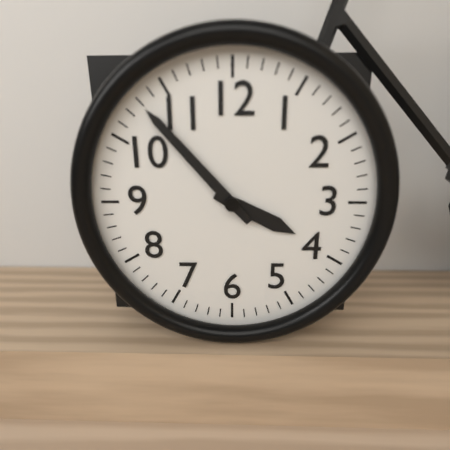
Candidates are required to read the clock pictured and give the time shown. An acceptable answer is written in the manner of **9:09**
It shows **3:53**
